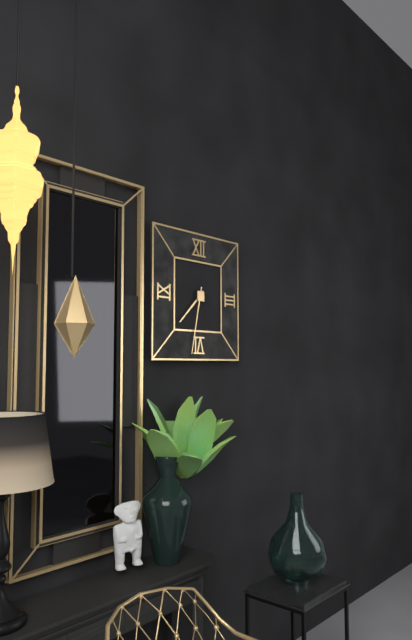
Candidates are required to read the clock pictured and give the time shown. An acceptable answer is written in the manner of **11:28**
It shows **7:32**
